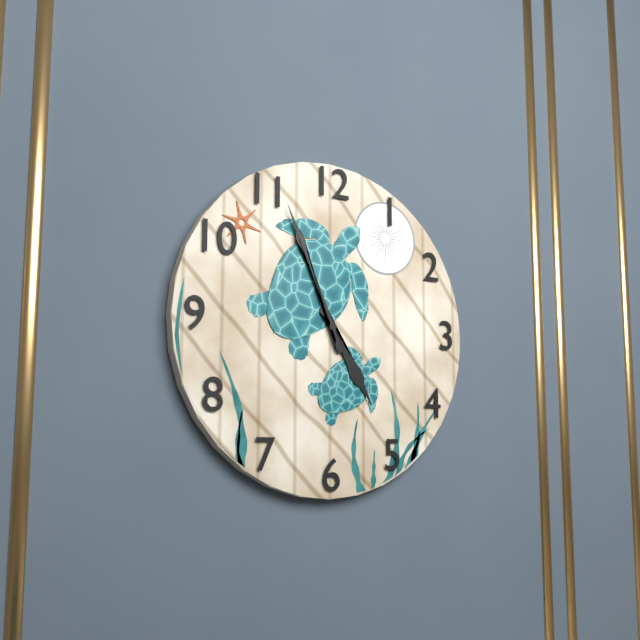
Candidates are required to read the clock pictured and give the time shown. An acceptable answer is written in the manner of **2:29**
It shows **4:56**
